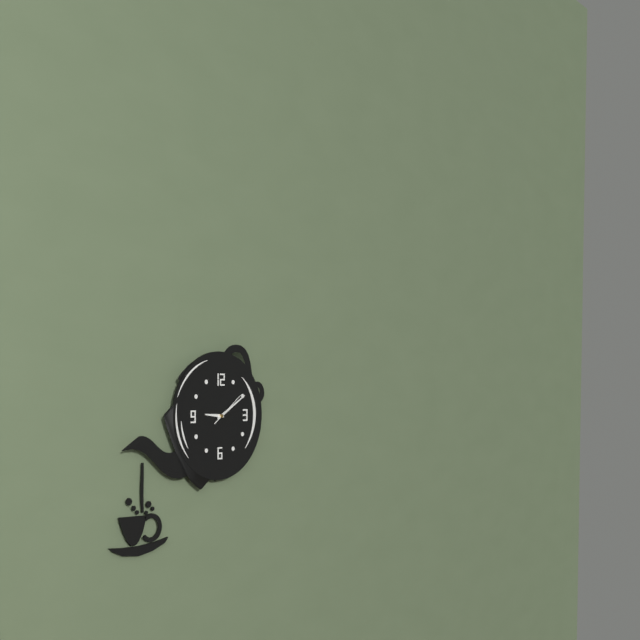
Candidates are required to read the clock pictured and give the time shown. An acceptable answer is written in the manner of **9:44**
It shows **9:10**
